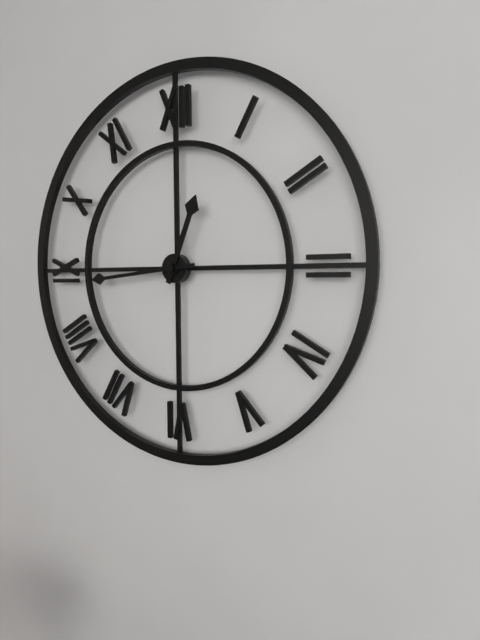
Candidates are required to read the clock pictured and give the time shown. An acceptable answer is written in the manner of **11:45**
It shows **12:44**
